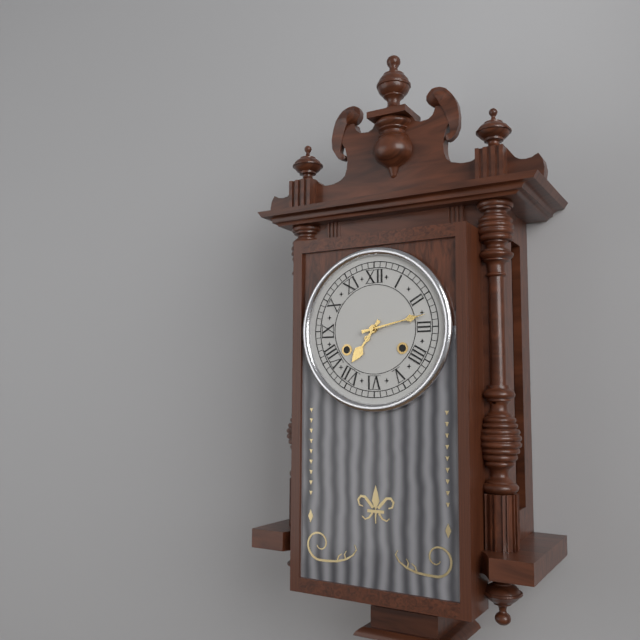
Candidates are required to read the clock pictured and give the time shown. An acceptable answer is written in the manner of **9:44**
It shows **7:13**
